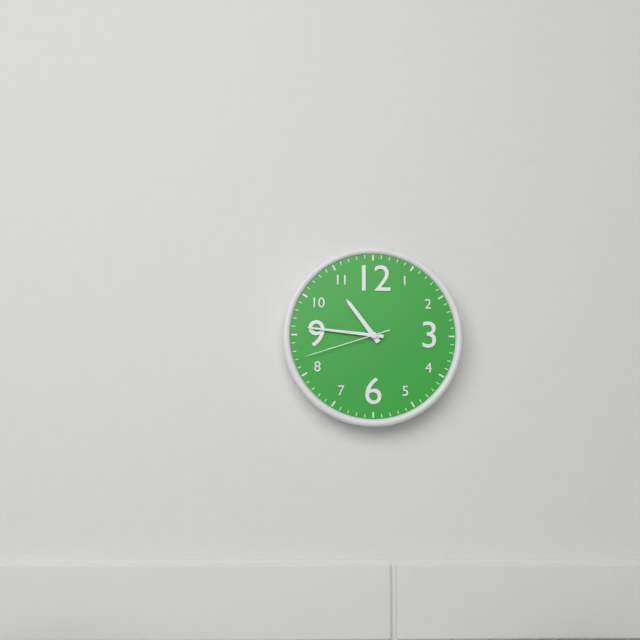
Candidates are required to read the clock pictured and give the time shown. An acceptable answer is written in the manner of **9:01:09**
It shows **10:46:42**
